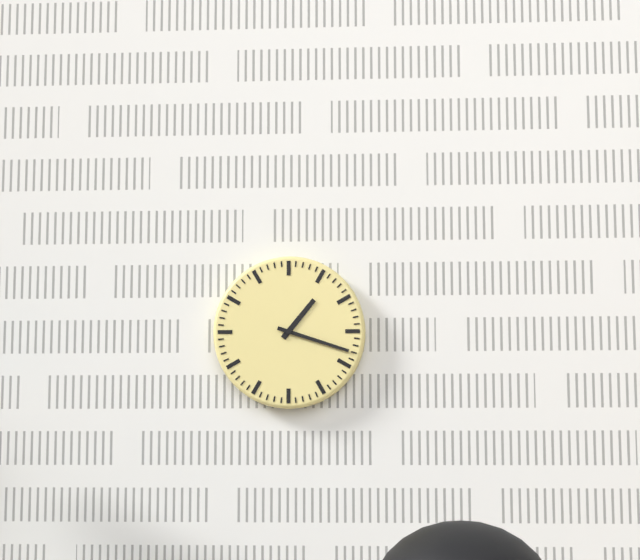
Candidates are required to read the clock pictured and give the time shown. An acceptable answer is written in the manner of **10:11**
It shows **1:18**
